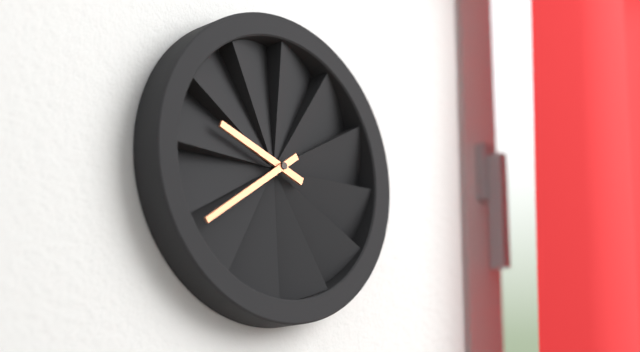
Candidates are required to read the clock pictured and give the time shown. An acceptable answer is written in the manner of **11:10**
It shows **9:39**
